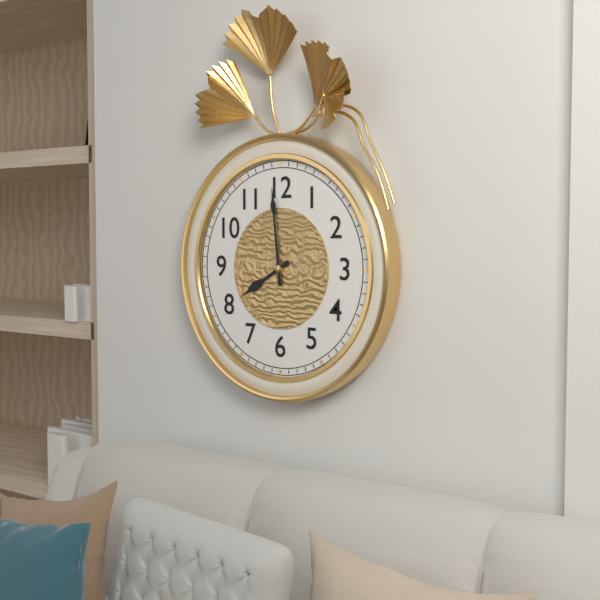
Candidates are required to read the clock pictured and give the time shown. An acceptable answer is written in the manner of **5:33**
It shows **7:59**
